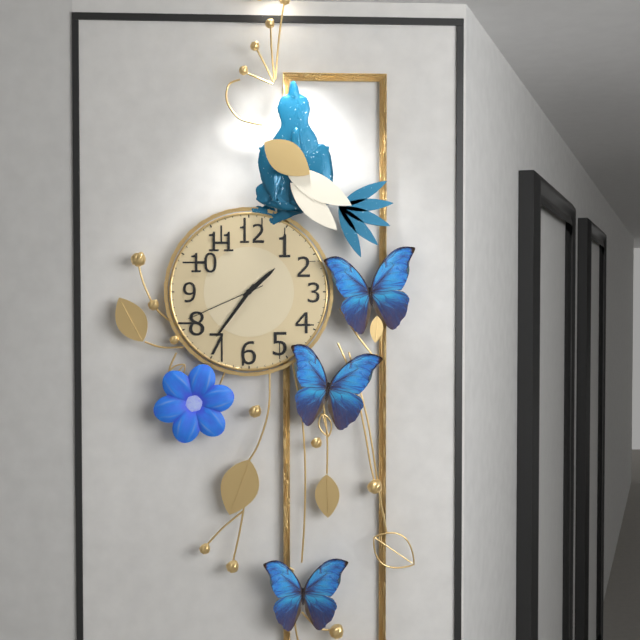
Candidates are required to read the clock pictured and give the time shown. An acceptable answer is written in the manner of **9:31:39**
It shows **1:36:41**
